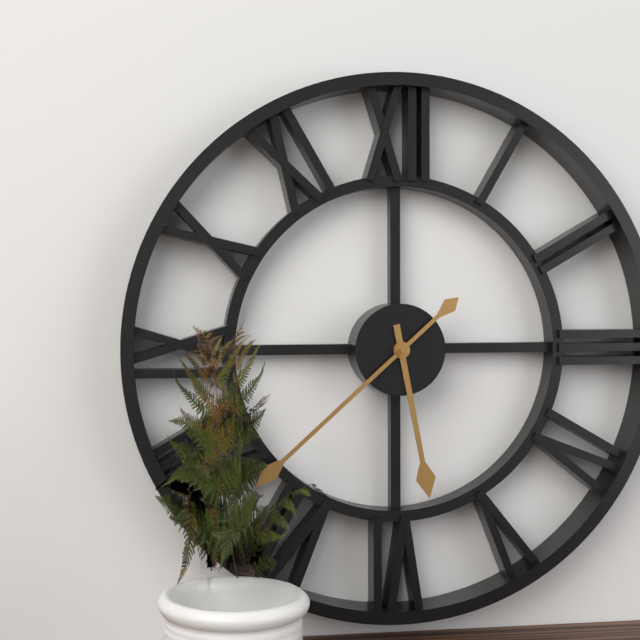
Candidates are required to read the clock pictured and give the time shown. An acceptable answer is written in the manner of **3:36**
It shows **5:38**
